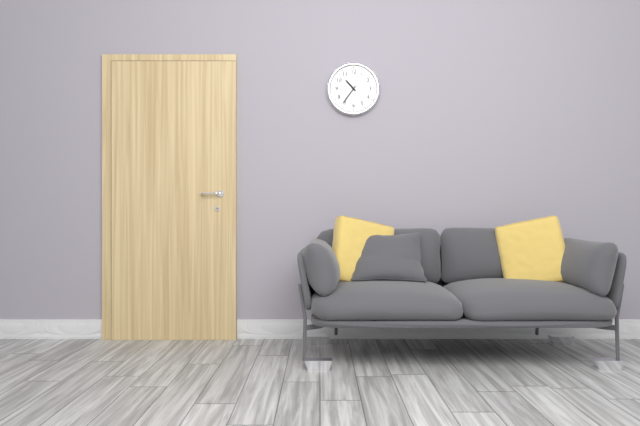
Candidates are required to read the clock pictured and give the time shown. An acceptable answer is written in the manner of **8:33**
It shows **10:36**
